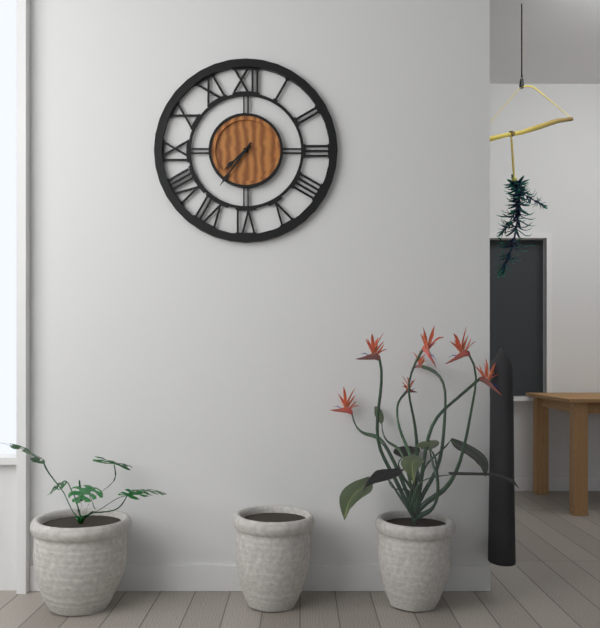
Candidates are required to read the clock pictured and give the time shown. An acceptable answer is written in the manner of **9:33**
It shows **7:36**
